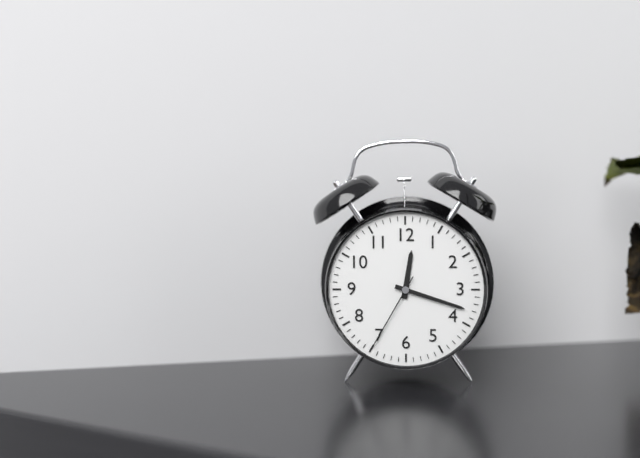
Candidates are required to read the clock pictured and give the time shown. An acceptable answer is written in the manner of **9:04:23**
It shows **12:18:35**
